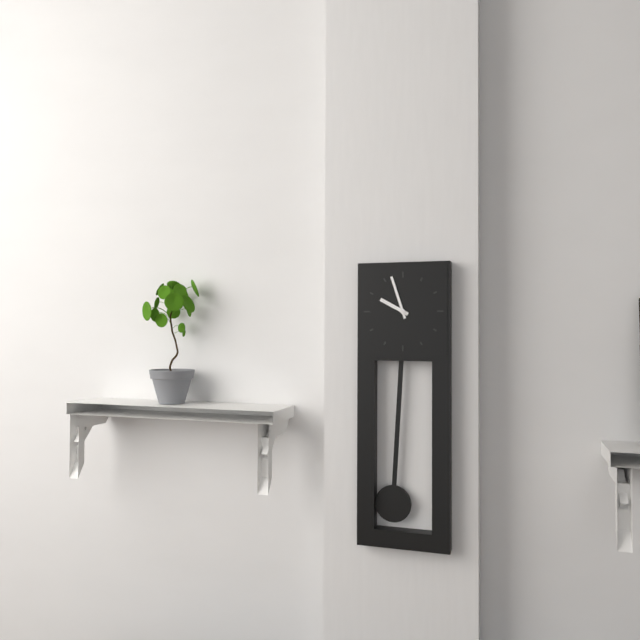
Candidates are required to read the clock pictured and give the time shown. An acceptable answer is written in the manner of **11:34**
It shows **9:57**
